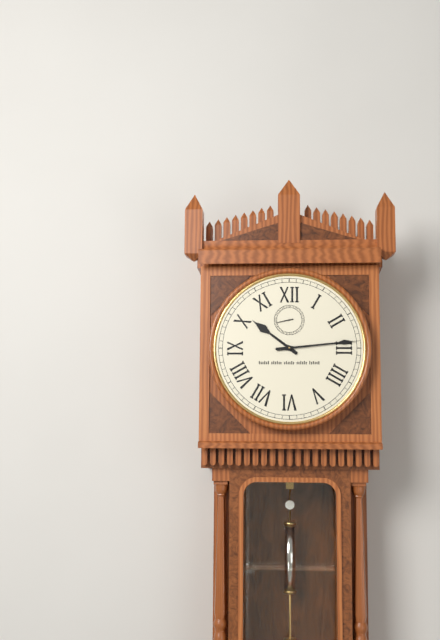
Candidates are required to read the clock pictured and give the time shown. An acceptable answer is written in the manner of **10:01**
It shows **10:14**
